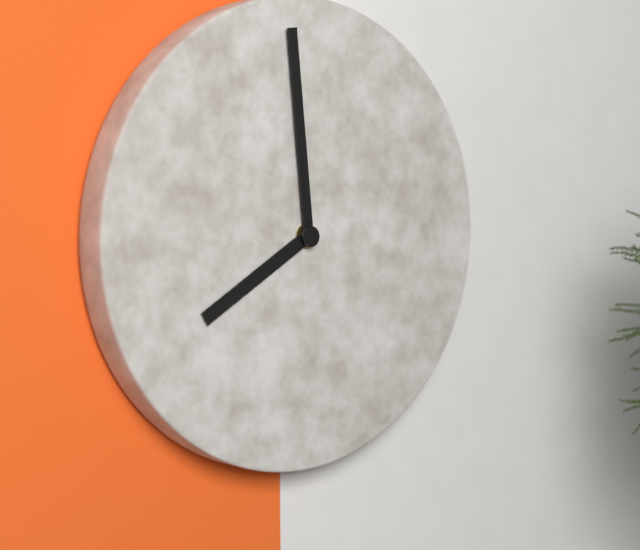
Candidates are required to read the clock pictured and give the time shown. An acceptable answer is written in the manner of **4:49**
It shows **7:59**
